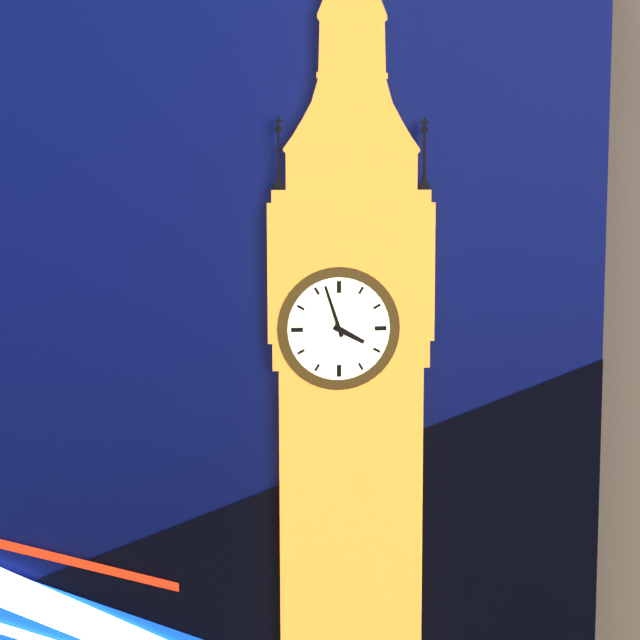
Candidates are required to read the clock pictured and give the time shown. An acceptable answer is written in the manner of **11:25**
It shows **3:57**
